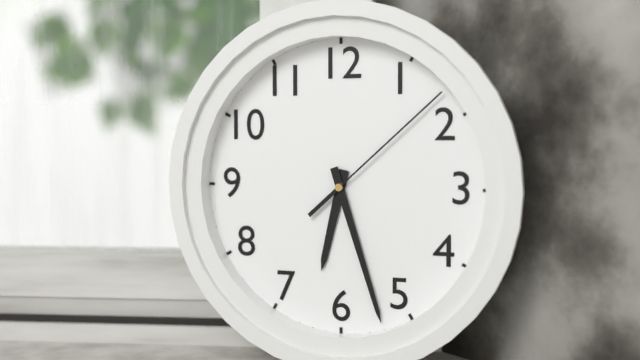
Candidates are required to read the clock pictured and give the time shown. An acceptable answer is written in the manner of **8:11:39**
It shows **6:27:08**
